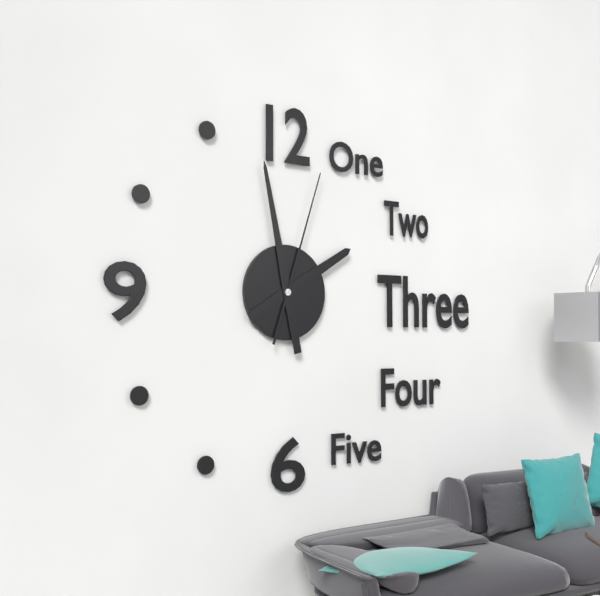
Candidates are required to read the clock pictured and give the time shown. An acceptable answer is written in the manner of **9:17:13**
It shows **1:58:03**
